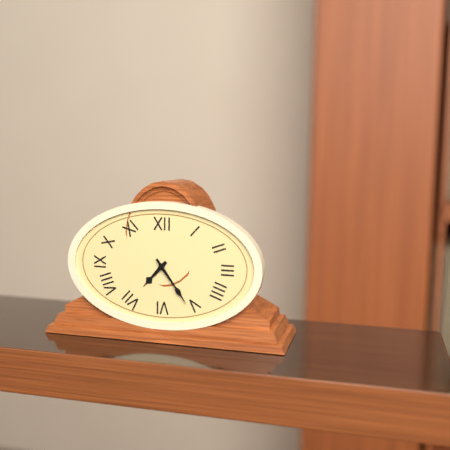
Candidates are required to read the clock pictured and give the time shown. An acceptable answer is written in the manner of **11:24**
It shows **7:24**
